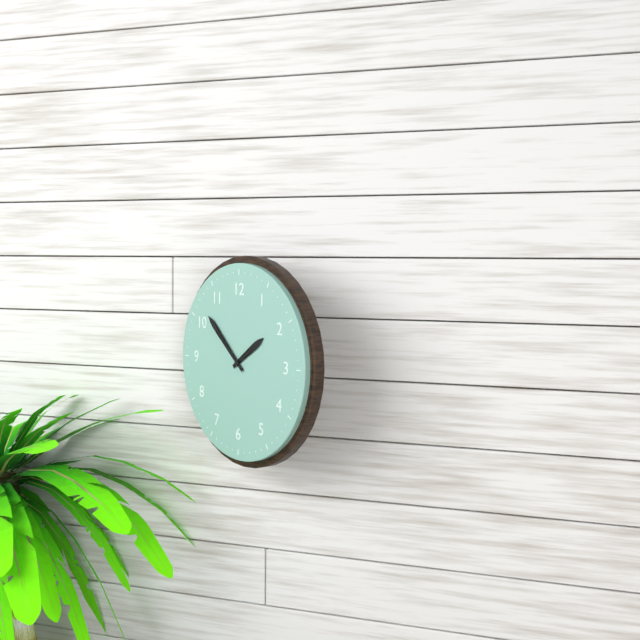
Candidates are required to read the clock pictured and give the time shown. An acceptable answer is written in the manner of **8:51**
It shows **1:52**
